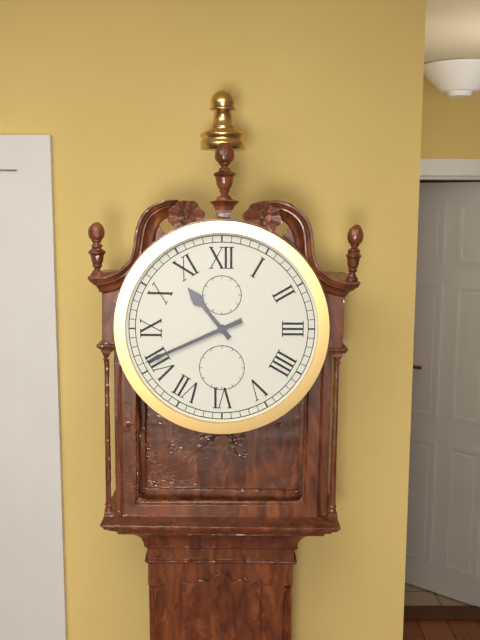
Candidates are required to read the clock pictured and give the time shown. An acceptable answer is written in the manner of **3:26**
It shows **10:41**
